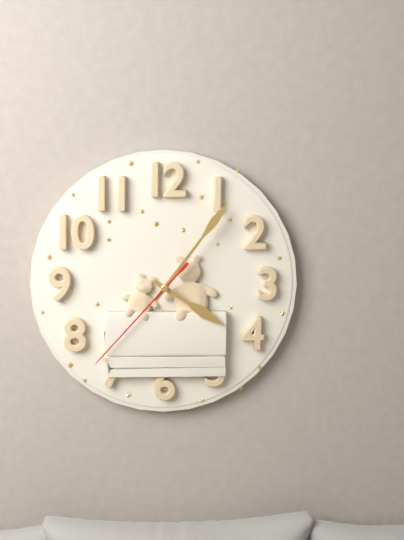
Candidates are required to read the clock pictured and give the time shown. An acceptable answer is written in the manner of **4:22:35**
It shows **4:06:37**
